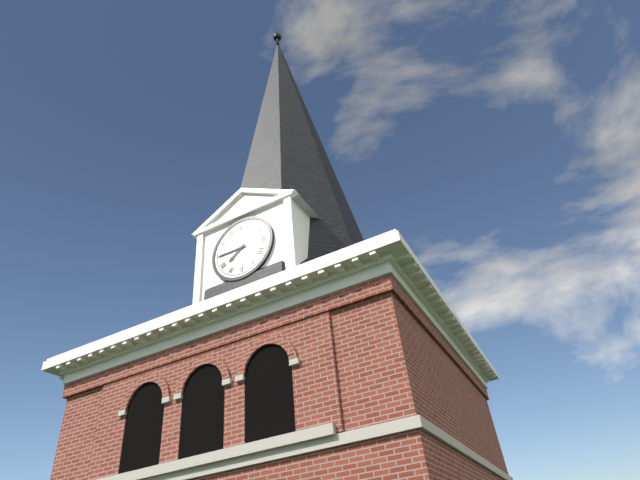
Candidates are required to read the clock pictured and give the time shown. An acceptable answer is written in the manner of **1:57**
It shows **7:45**
